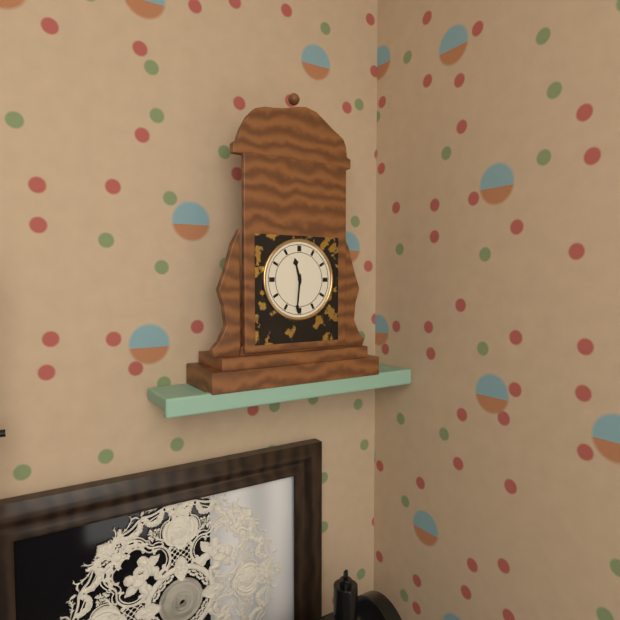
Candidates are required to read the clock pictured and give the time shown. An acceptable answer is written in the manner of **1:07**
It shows **11:31**
